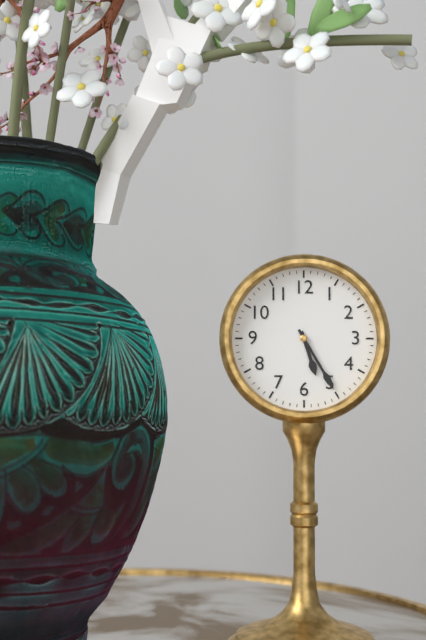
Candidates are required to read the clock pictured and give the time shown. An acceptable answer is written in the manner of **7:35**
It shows **5:25**
